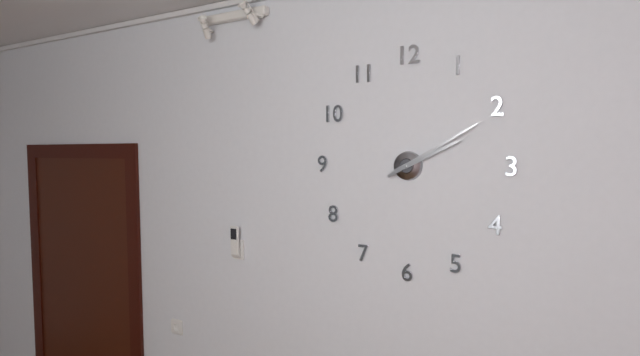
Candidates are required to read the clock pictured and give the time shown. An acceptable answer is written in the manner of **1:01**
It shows **2:10**
